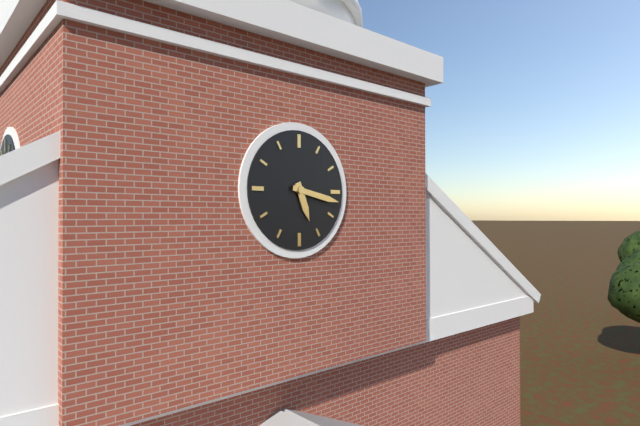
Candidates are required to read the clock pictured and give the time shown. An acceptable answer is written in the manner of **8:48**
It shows **5:17**
